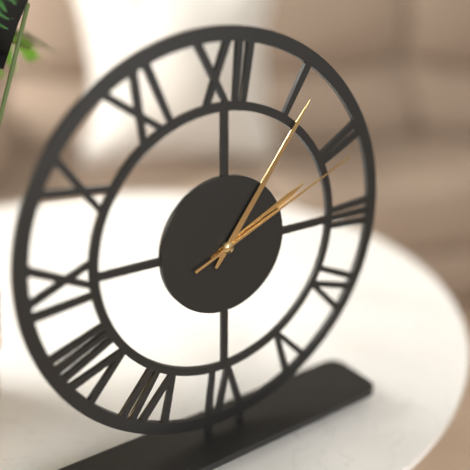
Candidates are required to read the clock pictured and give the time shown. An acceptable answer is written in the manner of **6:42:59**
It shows **2:06:11**
